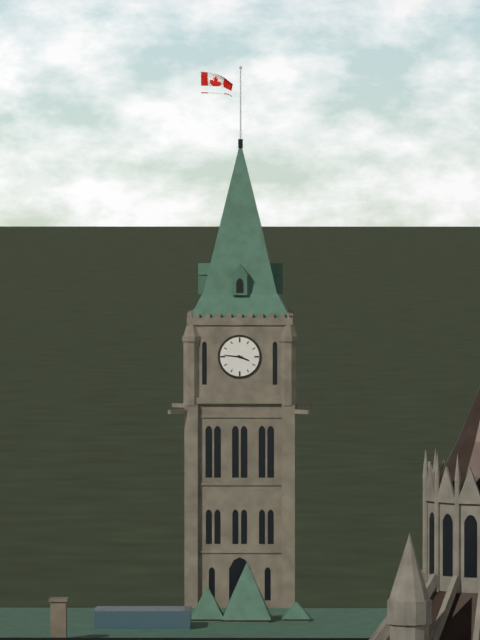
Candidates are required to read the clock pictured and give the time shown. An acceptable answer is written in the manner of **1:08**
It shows **3:46**
